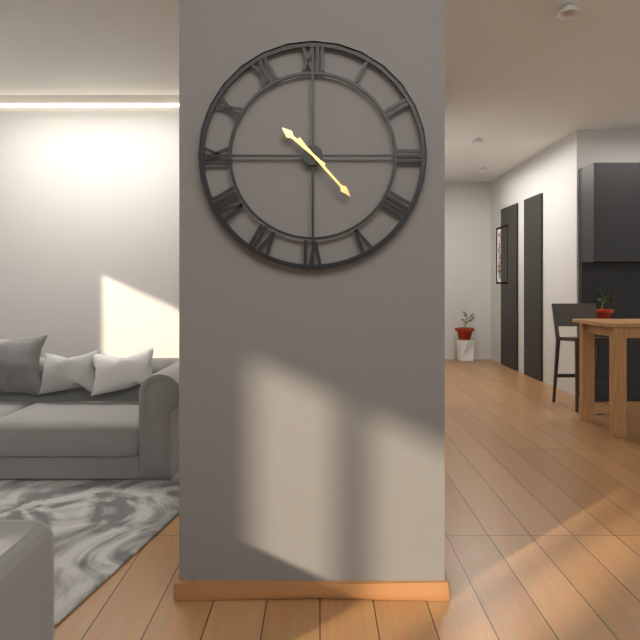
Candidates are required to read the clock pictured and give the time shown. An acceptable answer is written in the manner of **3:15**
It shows **10:23**
